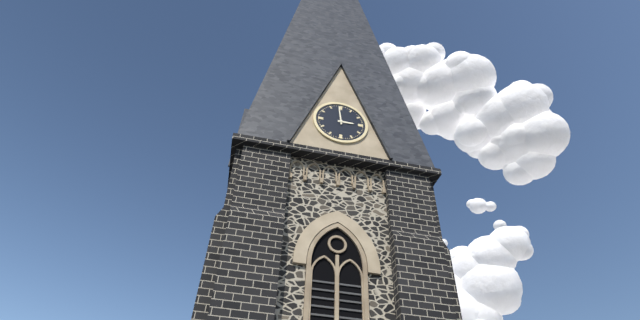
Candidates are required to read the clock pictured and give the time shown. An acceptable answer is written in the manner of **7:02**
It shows **2:59**
